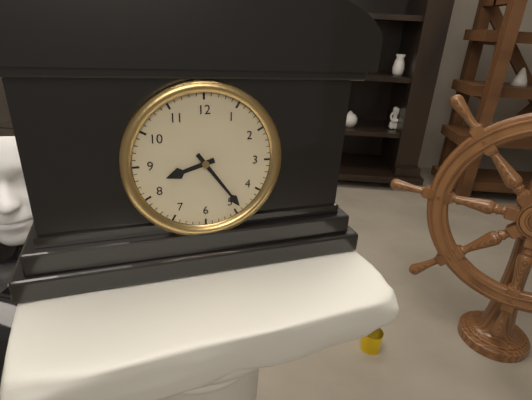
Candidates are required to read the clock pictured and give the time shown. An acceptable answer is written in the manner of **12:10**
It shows **8:24**
